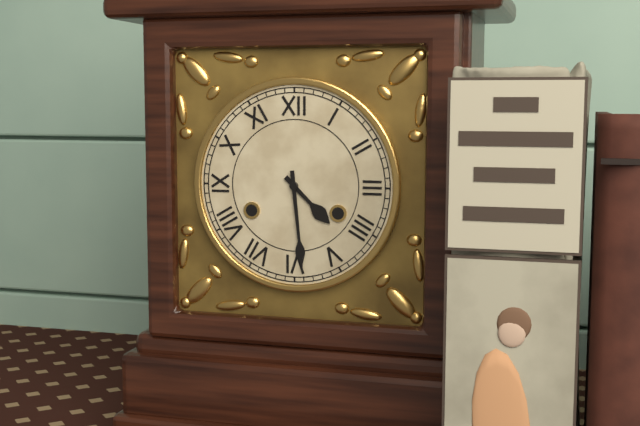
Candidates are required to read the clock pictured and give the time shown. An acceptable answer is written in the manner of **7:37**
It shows **4:29**
